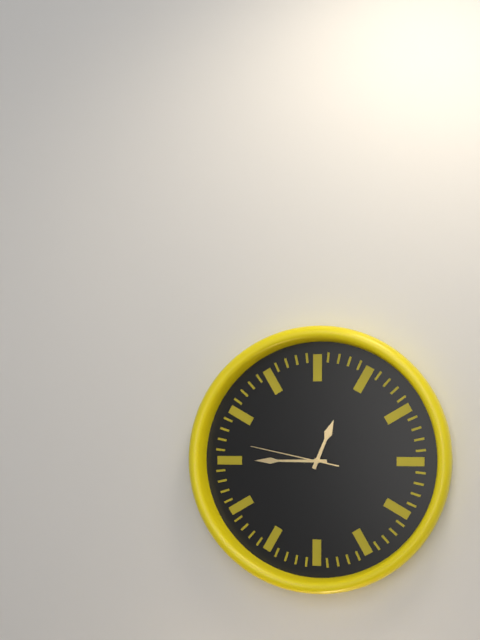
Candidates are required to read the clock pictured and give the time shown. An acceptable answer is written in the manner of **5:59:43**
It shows **12:45:47**
